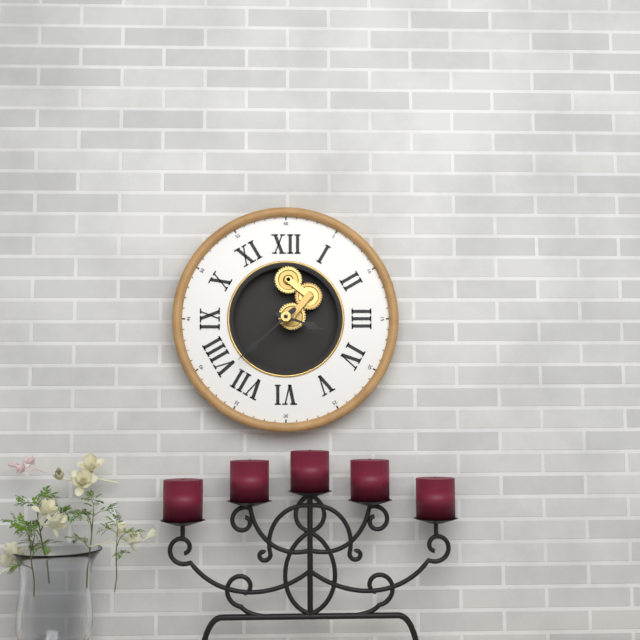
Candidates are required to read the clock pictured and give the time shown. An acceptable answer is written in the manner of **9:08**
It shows **3:38**
